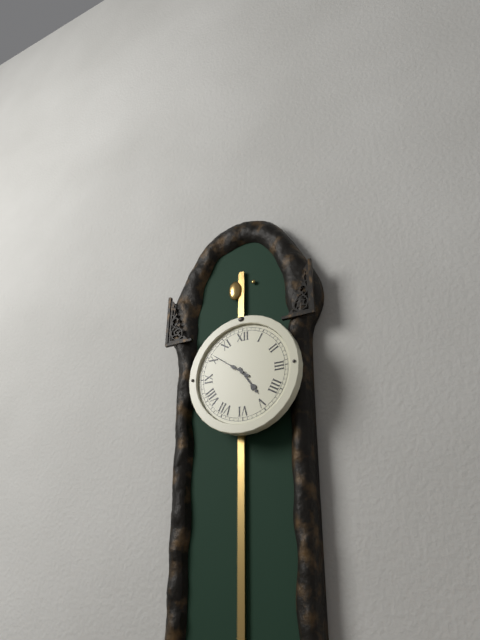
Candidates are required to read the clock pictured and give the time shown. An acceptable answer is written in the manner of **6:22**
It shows **4:51**
